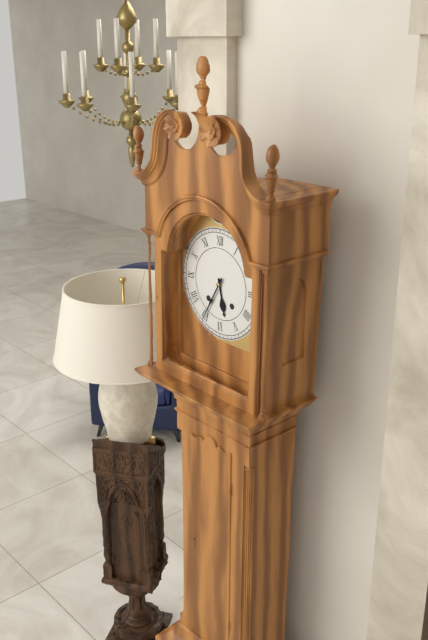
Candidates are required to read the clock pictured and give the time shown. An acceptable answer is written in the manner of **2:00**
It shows **5:35**
